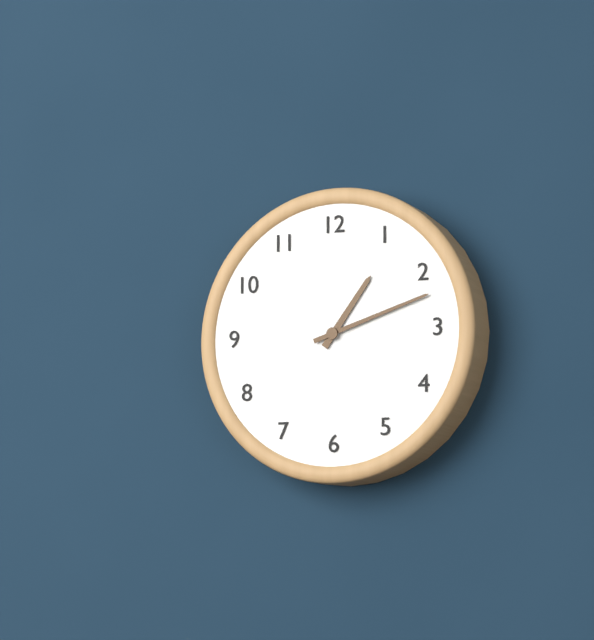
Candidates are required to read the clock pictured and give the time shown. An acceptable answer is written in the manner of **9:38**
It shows **1:12**
